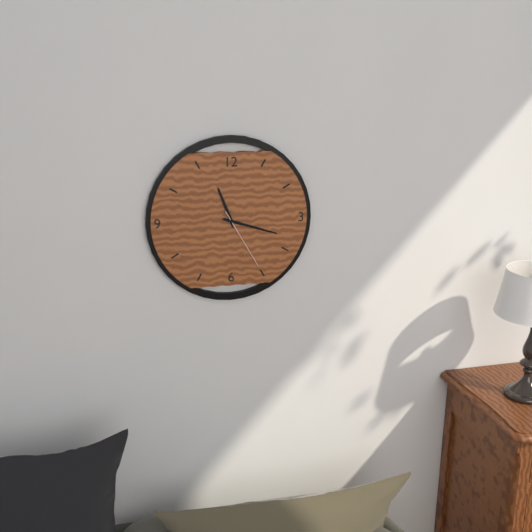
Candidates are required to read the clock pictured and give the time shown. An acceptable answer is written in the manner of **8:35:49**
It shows **11:18:25**
